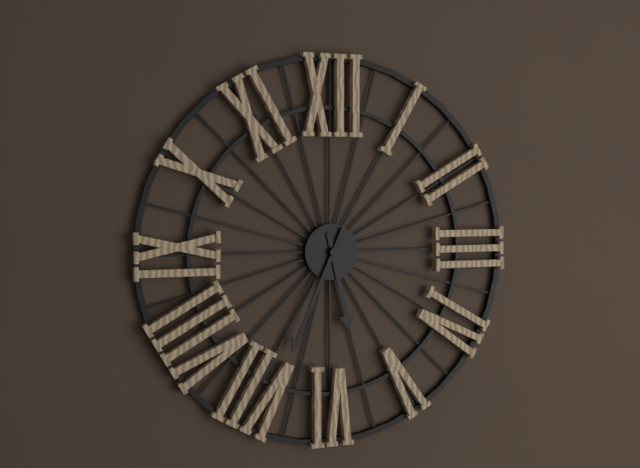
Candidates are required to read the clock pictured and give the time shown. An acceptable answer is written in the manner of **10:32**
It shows **5:34**
